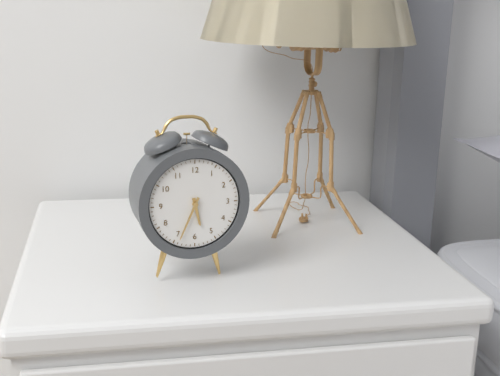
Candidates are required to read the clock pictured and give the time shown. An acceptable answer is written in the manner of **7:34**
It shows **5:34**
